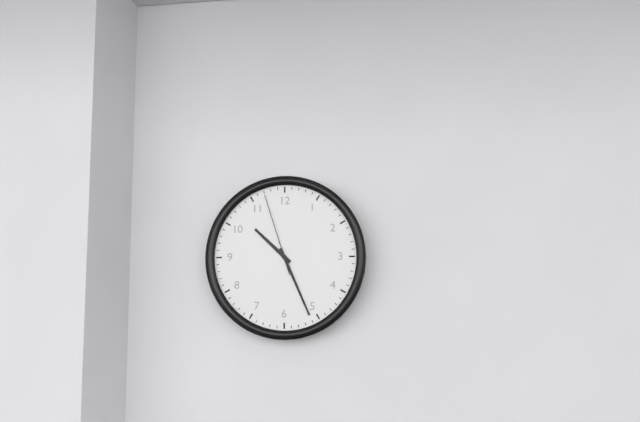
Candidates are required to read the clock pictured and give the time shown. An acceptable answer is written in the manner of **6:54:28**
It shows **10:26:57**
